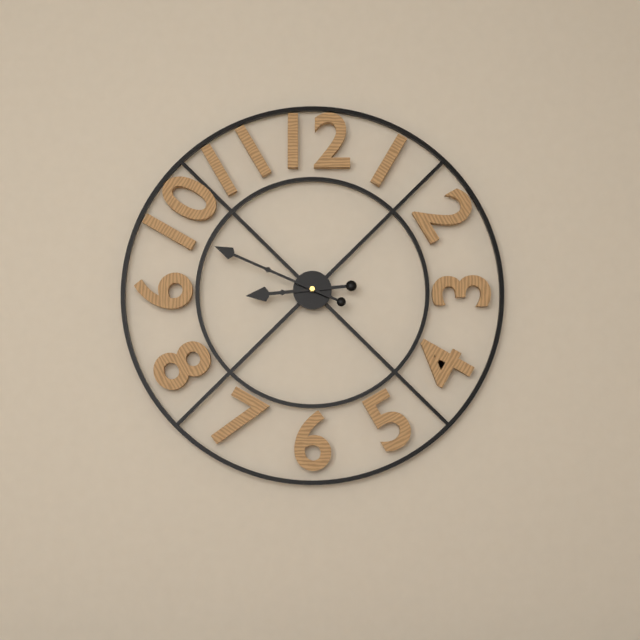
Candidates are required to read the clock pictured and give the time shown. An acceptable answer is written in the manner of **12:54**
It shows **8:49**
